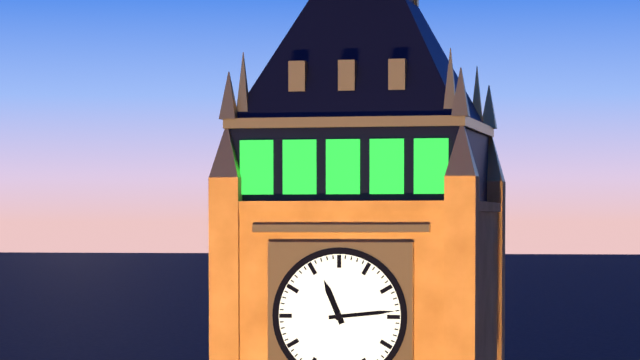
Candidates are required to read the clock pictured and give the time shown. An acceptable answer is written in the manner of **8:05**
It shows **11:14**
